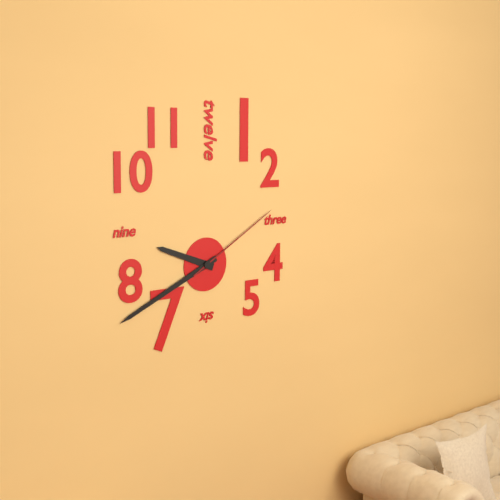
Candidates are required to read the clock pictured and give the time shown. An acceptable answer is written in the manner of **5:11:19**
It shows **9:41:10**
